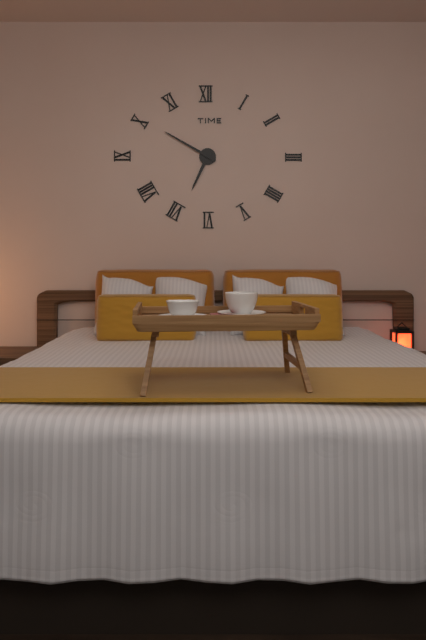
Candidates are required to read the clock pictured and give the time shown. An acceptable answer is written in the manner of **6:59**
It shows **6:50**
